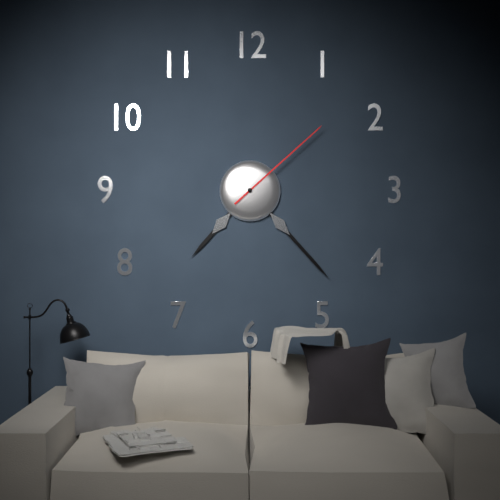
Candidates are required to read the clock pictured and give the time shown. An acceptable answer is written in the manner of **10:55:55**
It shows **7:23:08**
